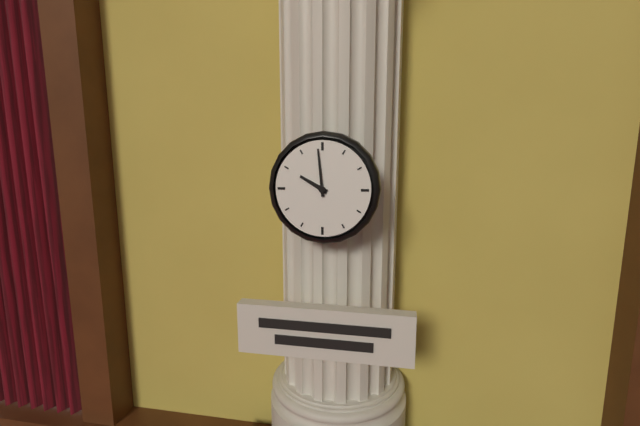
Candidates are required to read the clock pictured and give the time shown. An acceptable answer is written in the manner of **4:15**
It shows **9:59**
